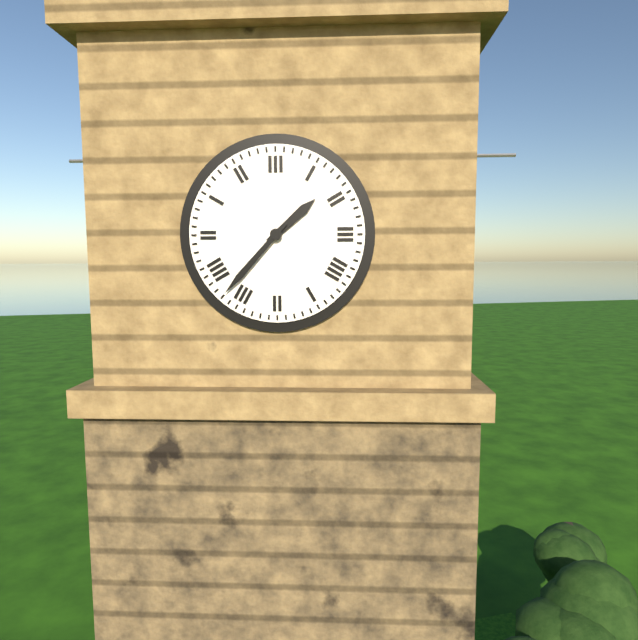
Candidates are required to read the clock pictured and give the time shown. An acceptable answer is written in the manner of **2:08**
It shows **1:37**
